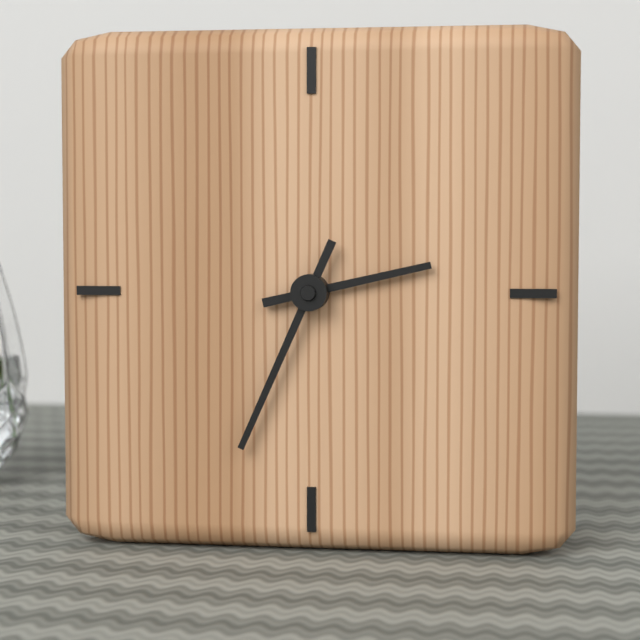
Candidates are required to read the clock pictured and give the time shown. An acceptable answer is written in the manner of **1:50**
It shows **2:34**
